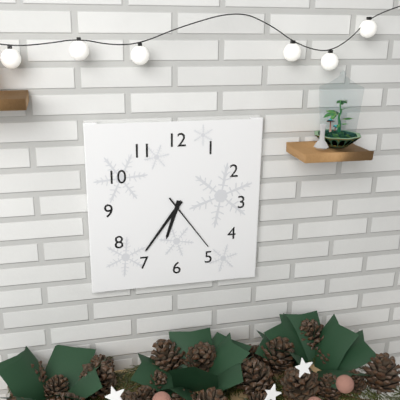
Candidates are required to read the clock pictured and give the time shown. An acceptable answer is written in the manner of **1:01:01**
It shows **6:36:24**
